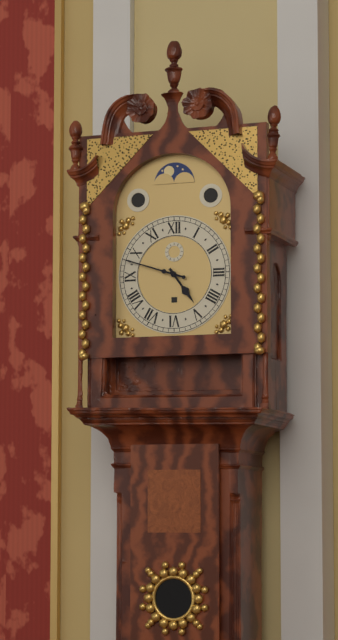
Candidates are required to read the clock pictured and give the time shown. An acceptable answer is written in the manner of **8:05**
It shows **4:48**
